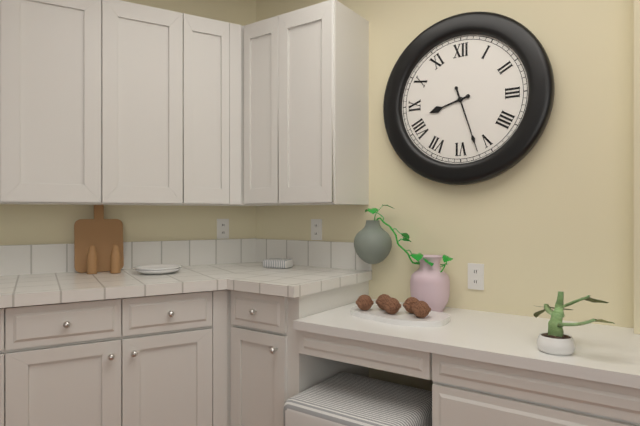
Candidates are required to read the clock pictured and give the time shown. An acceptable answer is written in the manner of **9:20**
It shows **8:27**
